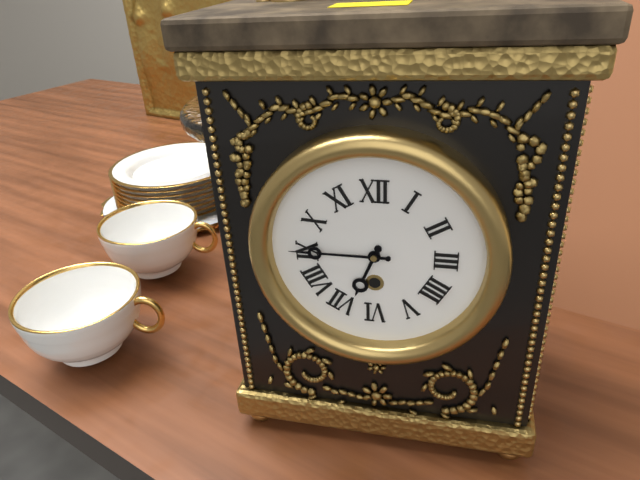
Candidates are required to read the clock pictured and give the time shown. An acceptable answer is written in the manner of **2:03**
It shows **6:45**
